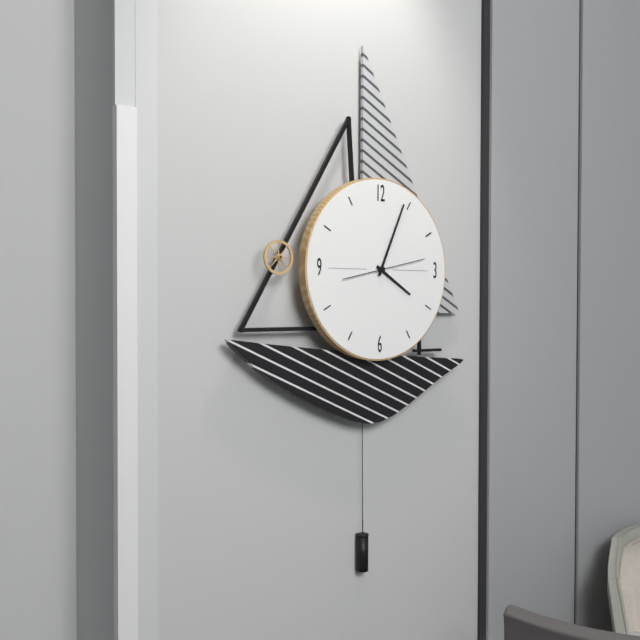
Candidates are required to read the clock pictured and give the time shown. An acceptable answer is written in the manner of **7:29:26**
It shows **4:04:13**
